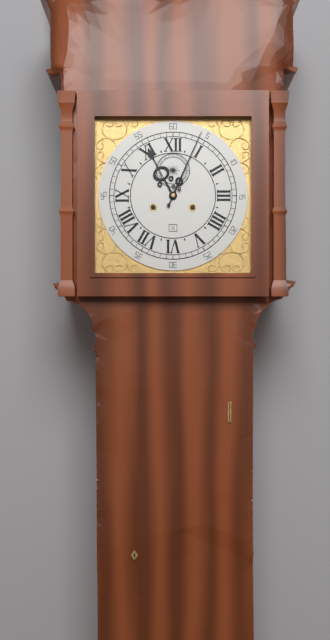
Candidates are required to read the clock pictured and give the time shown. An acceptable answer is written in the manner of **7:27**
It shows **11:04**
